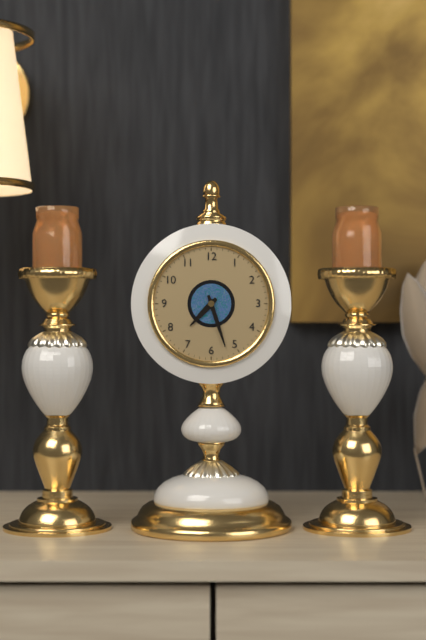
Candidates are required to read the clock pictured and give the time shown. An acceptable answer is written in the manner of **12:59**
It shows **7:27**
